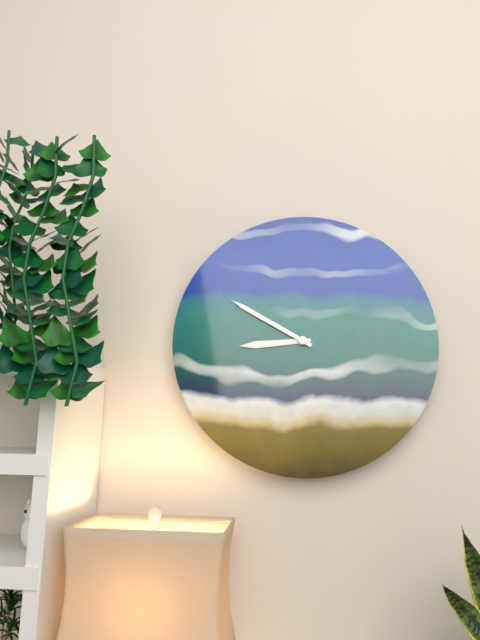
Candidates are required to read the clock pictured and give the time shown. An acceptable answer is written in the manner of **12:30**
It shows **8:50**
